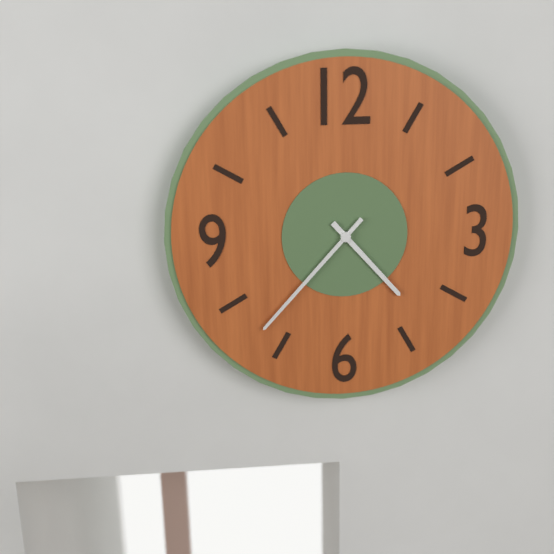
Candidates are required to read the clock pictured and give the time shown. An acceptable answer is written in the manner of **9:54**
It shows **4:37**
